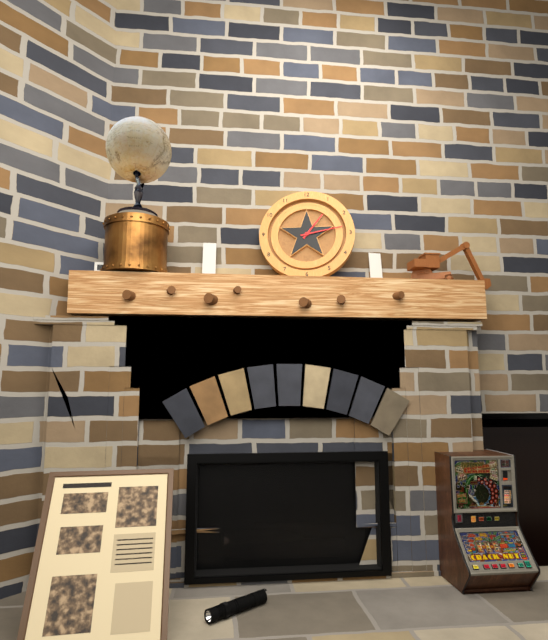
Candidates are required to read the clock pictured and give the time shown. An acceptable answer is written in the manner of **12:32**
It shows **1:13**
